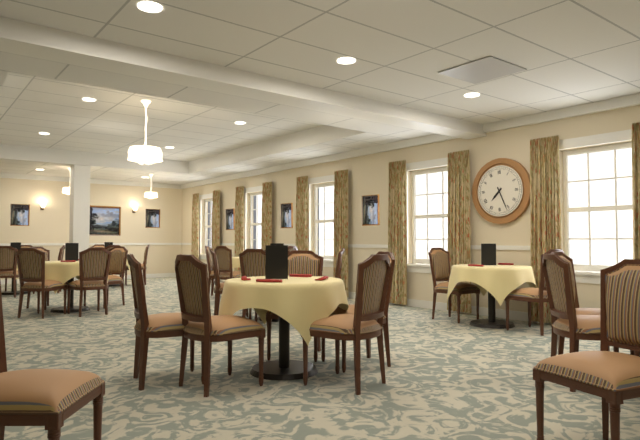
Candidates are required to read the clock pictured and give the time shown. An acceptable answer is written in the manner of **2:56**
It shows **7:26**
